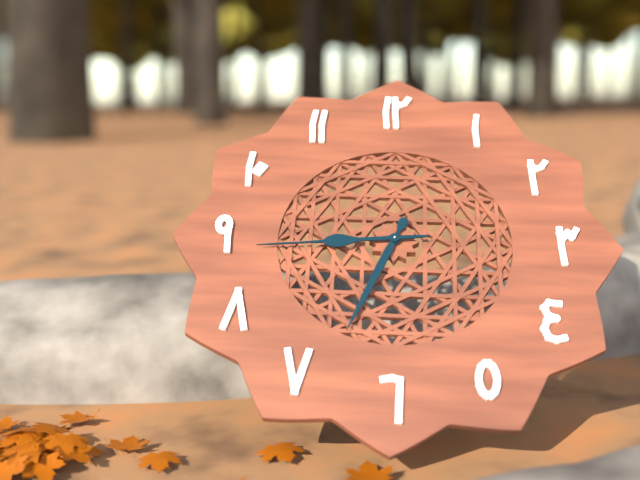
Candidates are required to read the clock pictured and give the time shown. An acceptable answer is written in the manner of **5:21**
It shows **6:44**
